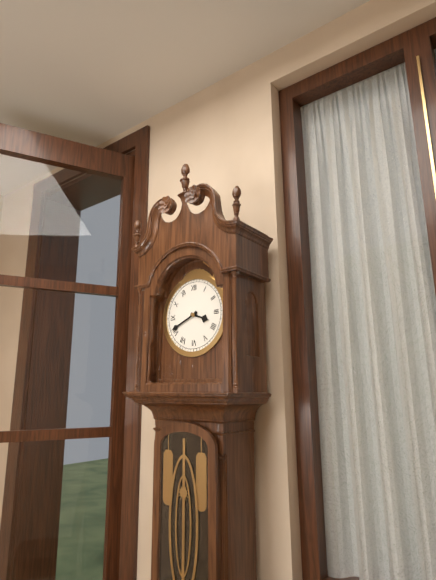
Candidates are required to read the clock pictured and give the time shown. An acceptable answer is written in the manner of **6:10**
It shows **3:41**
